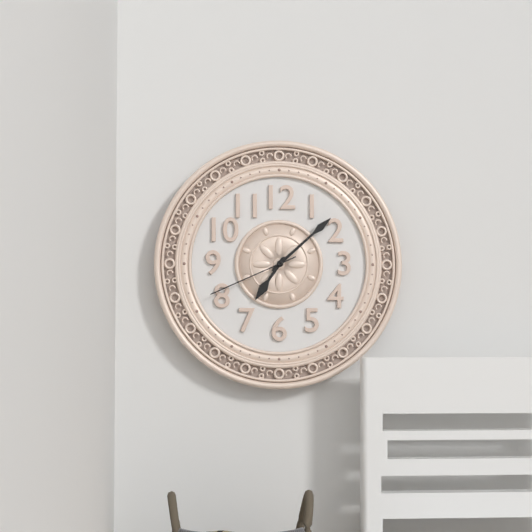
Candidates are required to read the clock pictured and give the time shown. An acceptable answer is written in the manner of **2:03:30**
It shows **7:08:41**
